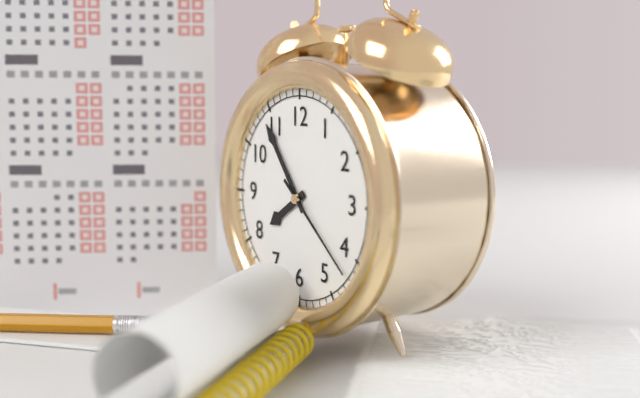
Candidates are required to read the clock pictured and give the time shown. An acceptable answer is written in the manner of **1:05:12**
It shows **7:54:22**
